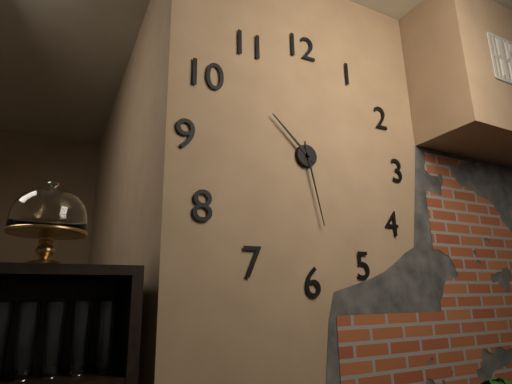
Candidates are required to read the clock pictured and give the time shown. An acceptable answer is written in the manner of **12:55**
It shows **10:28**
